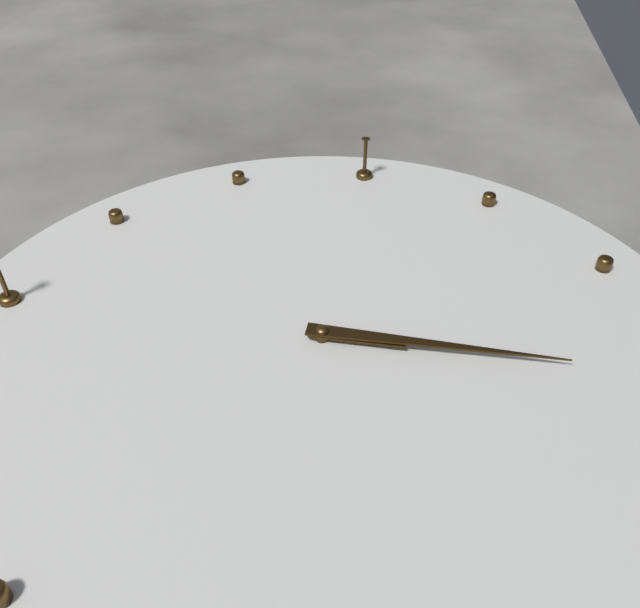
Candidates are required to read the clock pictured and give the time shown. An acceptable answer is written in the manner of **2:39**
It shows **12:00**
